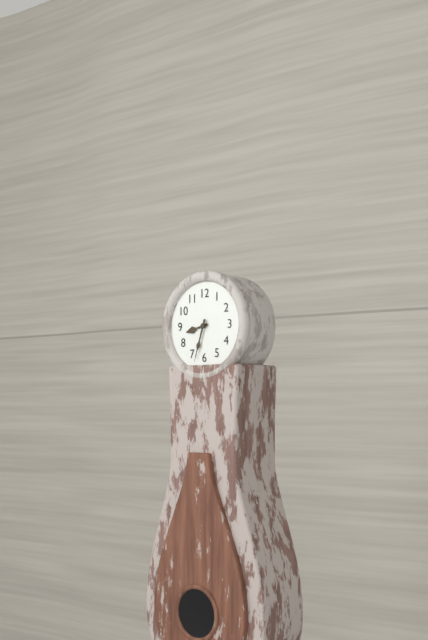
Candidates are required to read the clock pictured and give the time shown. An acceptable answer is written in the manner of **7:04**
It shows **8:33**
